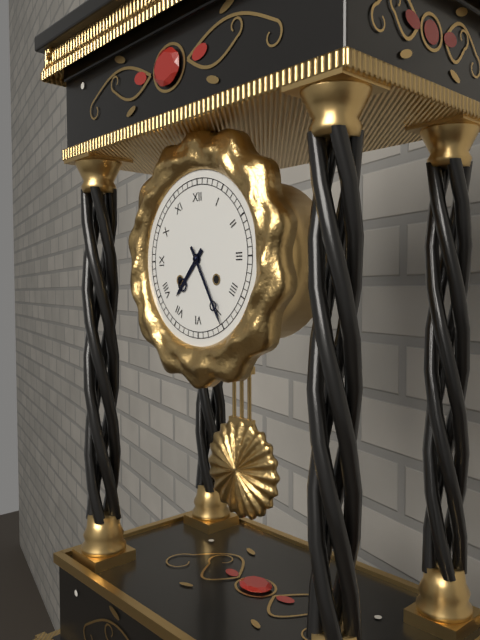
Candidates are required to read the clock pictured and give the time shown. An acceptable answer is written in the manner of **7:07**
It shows **7:25**
